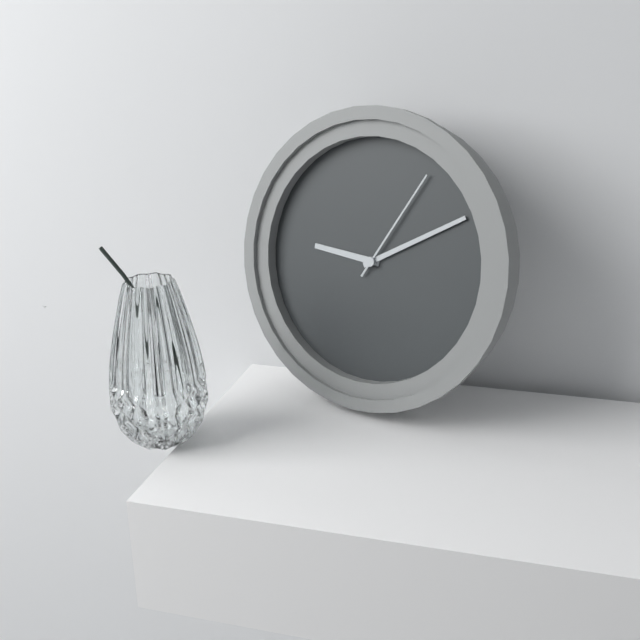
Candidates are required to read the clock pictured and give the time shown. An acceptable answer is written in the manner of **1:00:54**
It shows **9:10:05**
